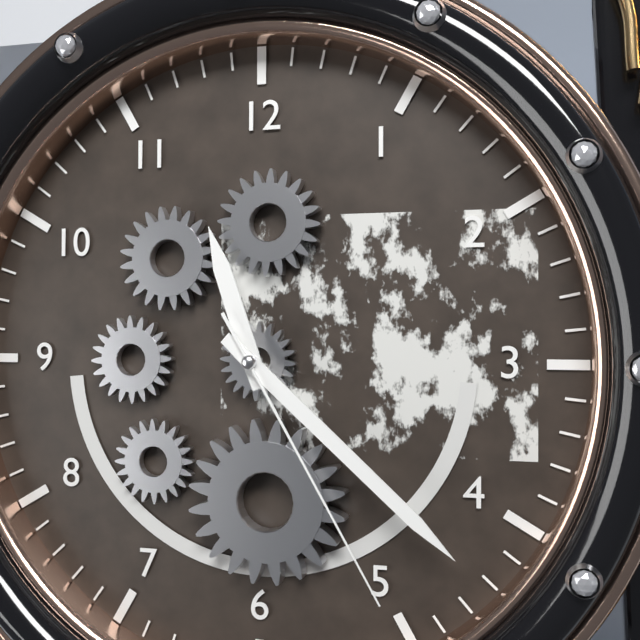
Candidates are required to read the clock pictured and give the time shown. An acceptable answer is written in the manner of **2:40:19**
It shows **11:22:25**
